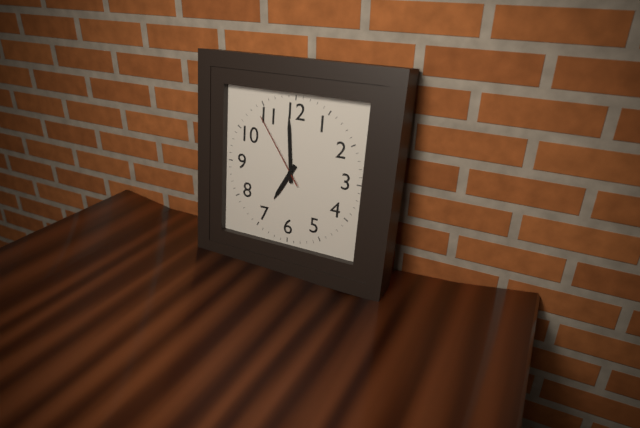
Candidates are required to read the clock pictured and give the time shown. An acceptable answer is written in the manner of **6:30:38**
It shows **6:59:54**
